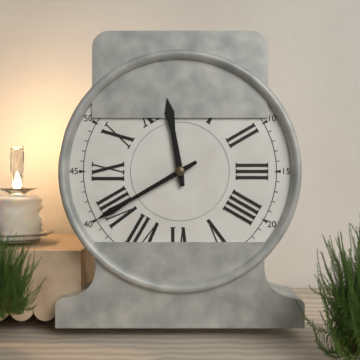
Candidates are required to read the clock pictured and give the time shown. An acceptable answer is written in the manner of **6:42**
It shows **11:40**
